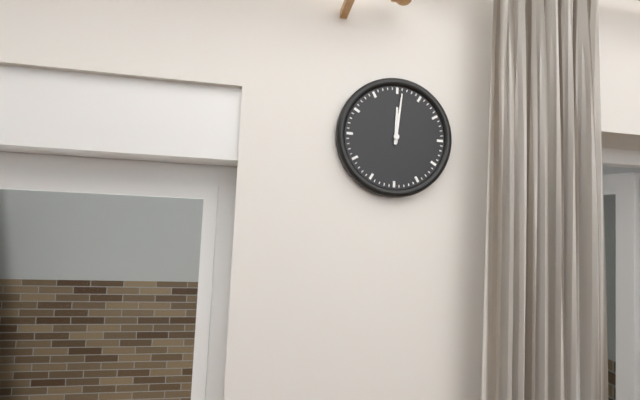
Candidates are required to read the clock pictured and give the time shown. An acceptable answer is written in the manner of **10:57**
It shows **12:01**
